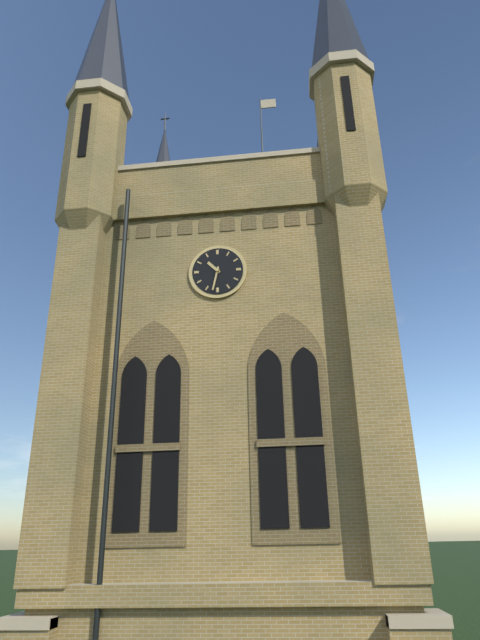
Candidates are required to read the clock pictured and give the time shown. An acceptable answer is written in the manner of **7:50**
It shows **10:32**
